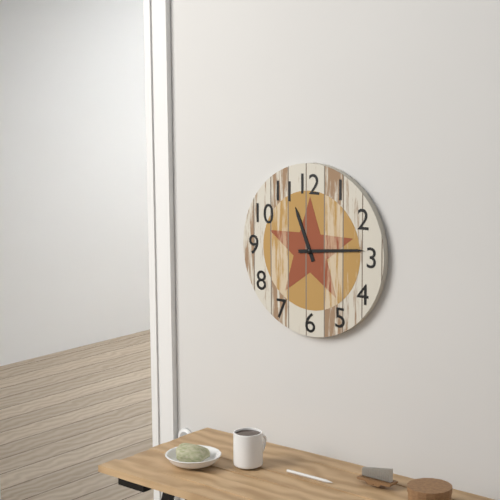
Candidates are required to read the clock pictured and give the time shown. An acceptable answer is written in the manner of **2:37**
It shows **11:14**
